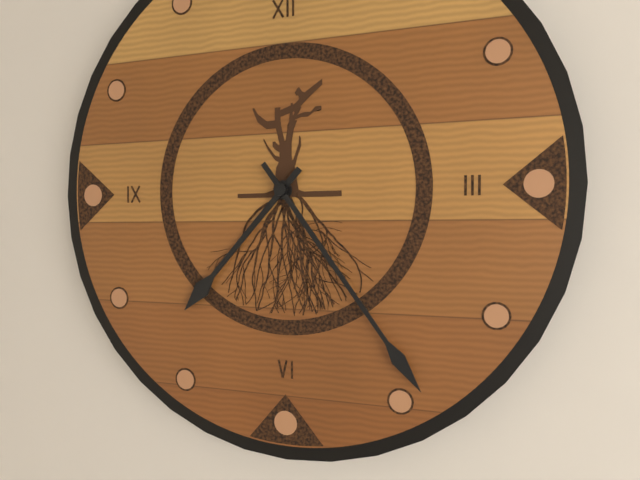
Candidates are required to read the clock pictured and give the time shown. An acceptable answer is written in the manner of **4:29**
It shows **7:24**
